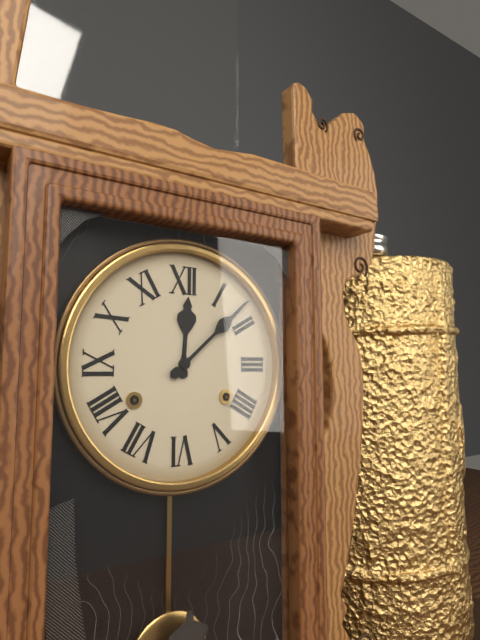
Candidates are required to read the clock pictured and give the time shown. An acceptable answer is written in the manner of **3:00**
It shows **12:08**
